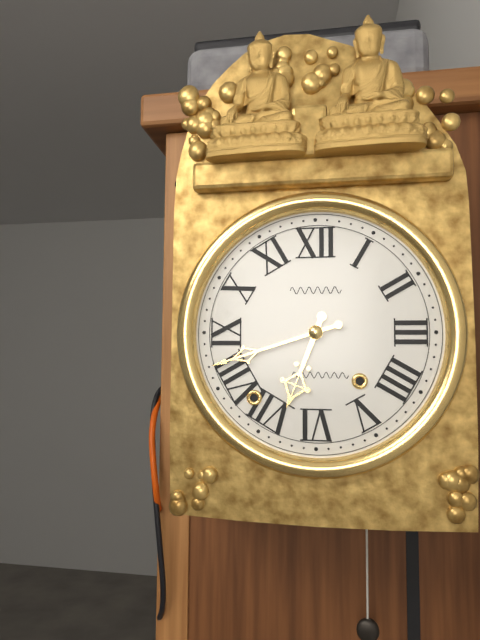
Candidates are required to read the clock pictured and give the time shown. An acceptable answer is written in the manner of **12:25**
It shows **6:42**
